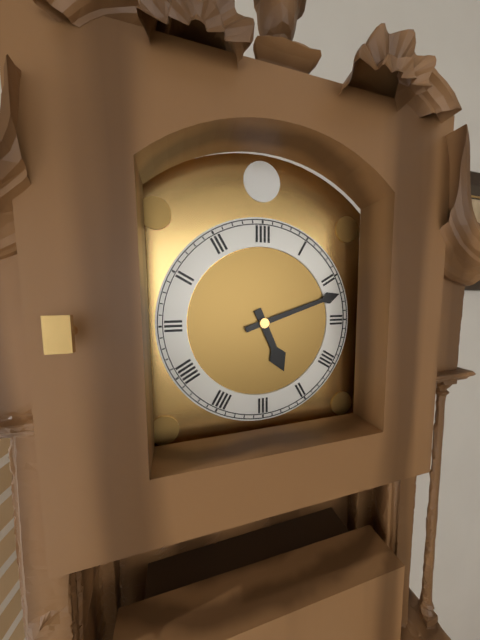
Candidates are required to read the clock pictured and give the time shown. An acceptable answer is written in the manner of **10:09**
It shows **5:12**
